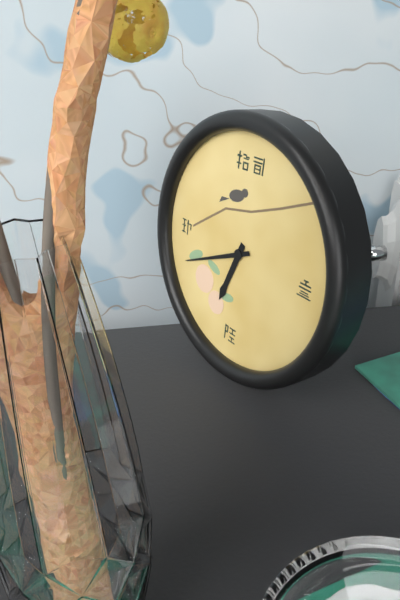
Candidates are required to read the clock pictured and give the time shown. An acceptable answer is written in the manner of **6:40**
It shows **6:41**
